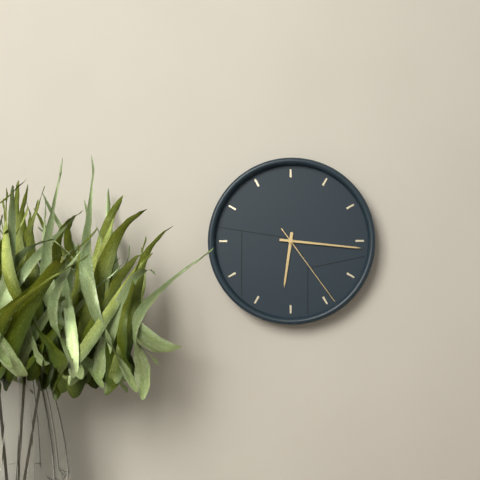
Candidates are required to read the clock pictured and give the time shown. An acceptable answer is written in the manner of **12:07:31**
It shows **6:16:24**
